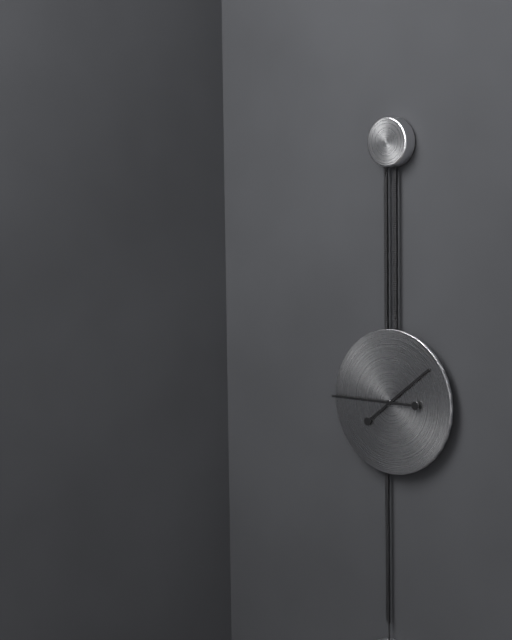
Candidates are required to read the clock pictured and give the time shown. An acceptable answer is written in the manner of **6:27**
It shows **1:45**
